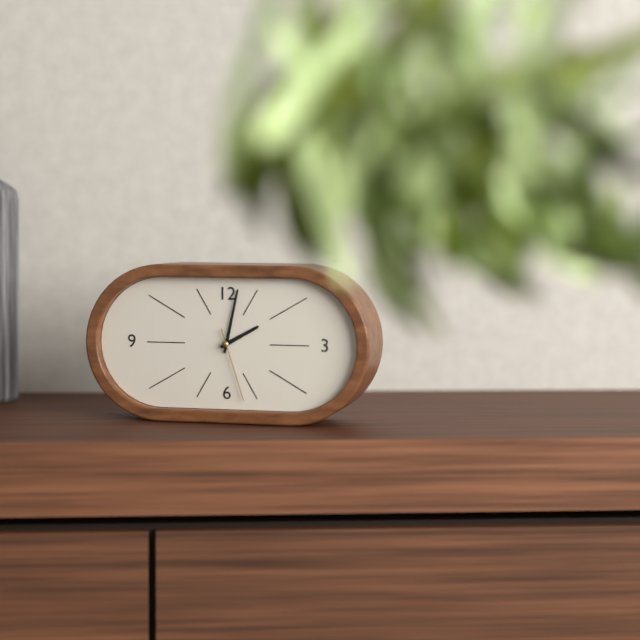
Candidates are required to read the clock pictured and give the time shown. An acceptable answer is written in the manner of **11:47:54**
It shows **2:02:27**
